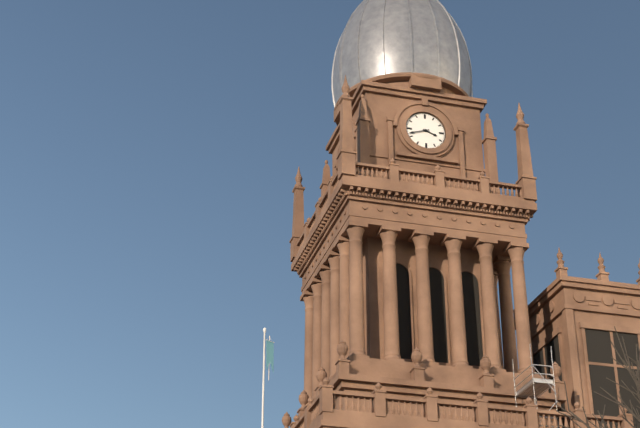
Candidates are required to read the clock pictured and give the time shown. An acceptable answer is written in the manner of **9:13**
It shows **3:42**
